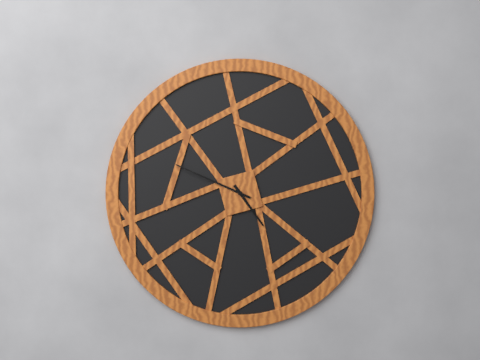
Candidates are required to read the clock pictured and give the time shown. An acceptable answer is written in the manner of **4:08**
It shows **4:49**
